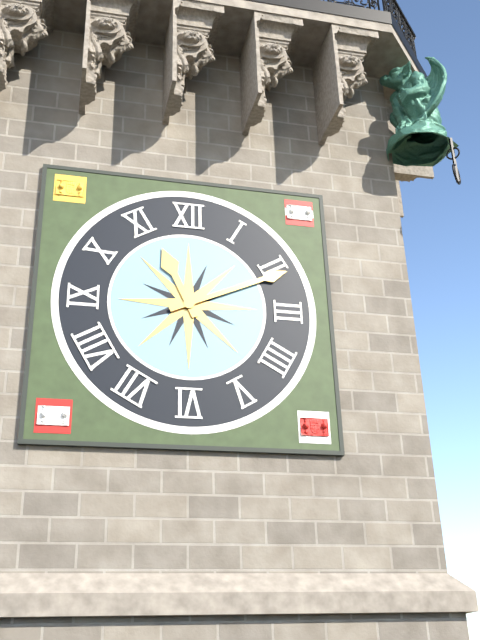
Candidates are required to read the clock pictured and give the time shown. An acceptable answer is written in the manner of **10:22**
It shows **11:11**
